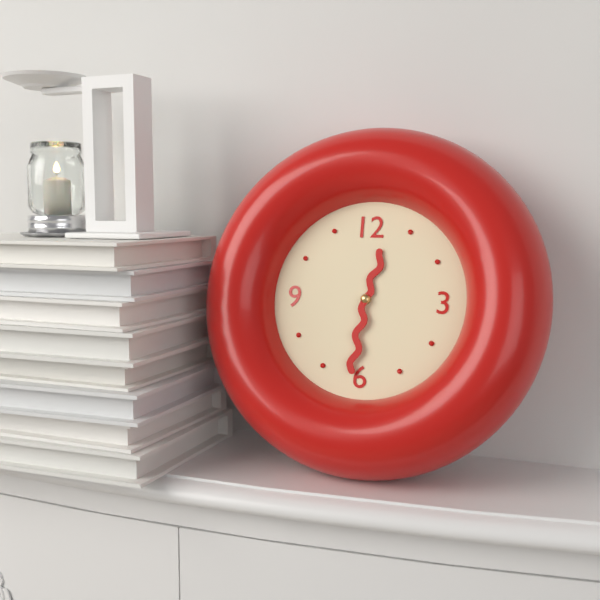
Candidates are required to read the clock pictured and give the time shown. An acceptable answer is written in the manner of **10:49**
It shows **12:31**
